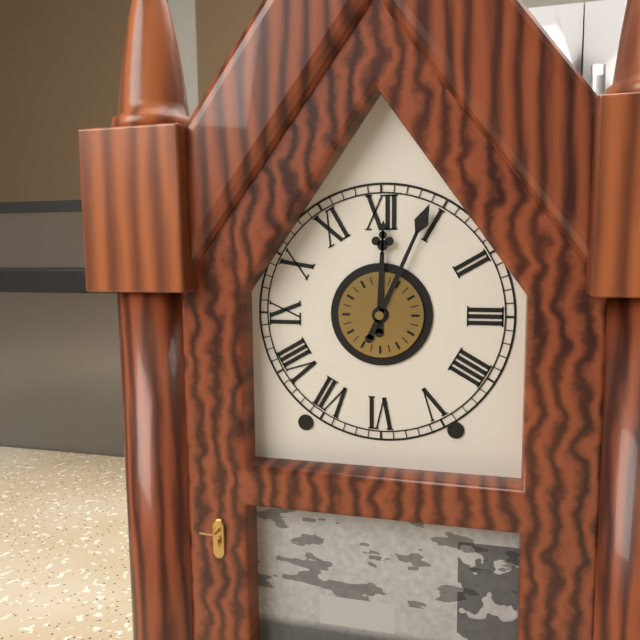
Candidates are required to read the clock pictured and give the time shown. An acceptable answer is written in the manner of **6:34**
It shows **12:04**
